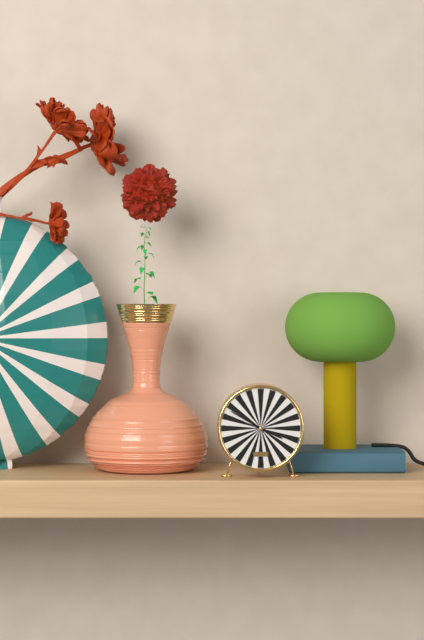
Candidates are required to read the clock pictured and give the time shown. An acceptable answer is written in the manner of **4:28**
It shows **3:50**
